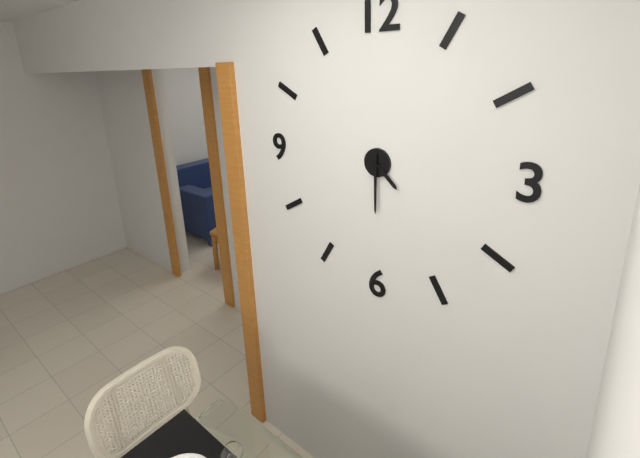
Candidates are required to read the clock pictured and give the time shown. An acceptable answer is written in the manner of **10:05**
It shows **4:30**
